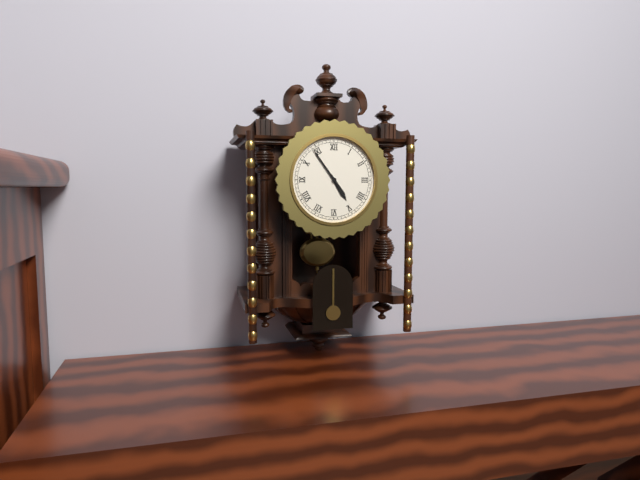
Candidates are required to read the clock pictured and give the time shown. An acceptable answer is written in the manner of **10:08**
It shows **4:54**
